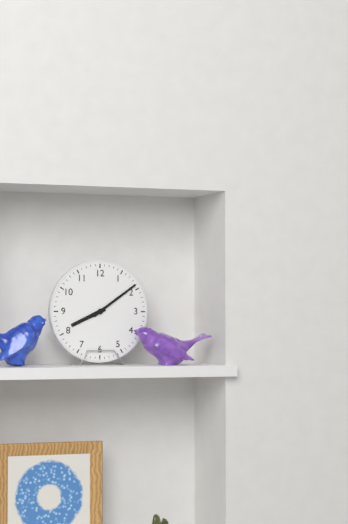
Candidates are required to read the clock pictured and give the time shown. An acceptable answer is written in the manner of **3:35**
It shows **8:09**
